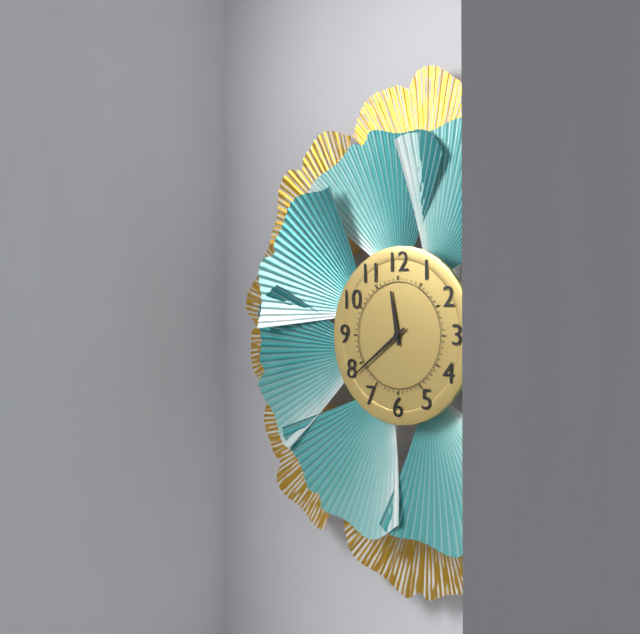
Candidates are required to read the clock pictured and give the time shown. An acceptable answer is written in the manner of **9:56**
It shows **11:39**
